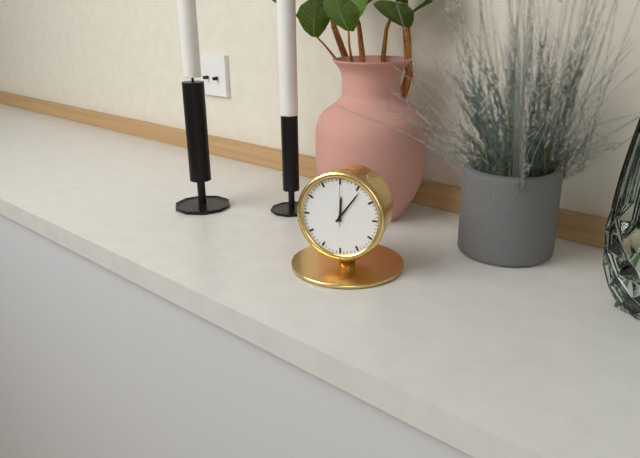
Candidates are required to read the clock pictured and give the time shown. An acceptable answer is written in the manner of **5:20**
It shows **12:06**
